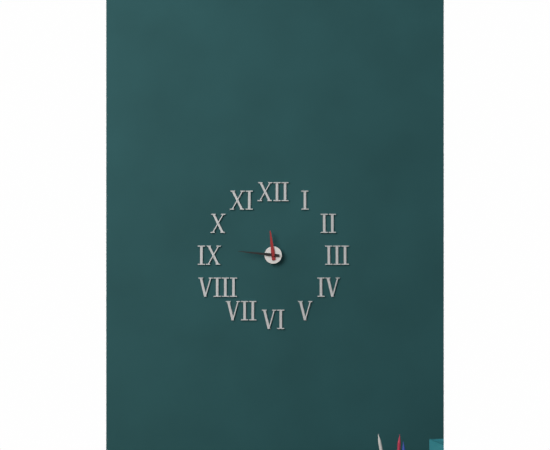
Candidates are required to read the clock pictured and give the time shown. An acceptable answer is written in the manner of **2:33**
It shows **11:46**
